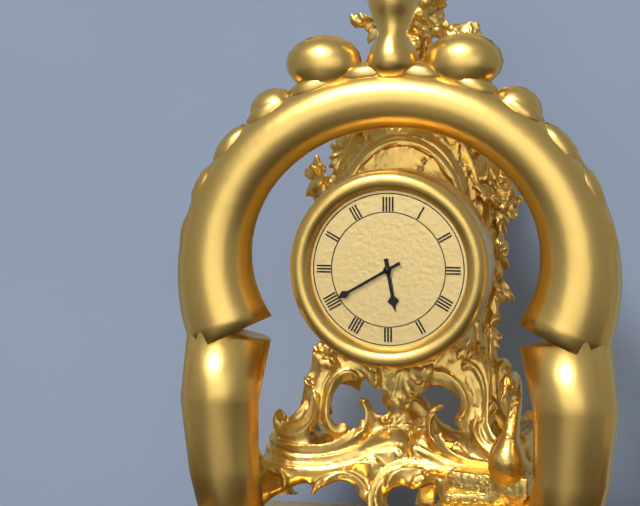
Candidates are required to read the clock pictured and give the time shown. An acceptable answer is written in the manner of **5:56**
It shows **5:40**
